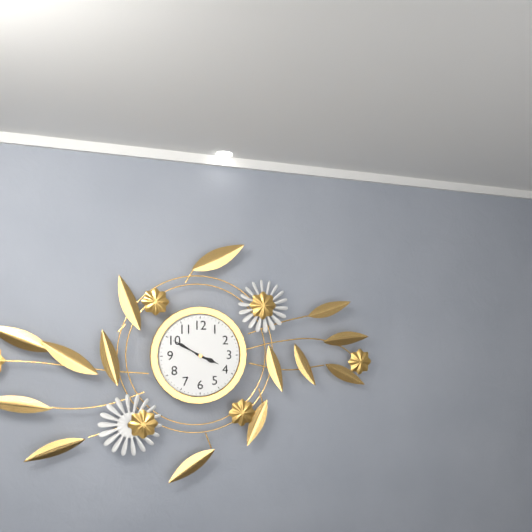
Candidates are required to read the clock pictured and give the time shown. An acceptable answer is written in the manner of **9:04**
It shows **3:50**
